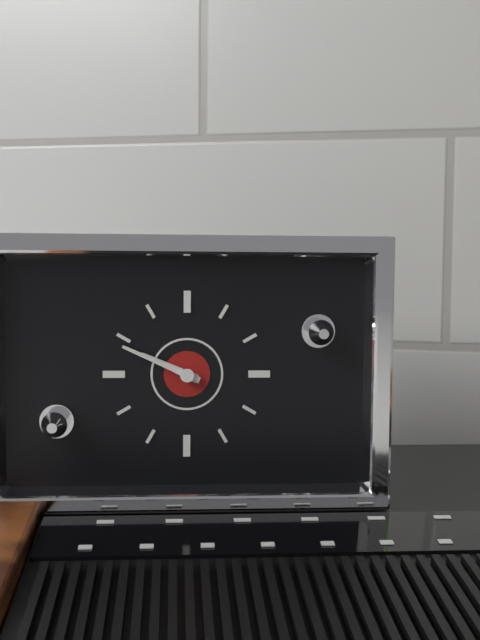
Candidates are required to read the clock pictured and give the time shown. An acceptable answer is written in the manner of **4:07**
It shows **9:49**
